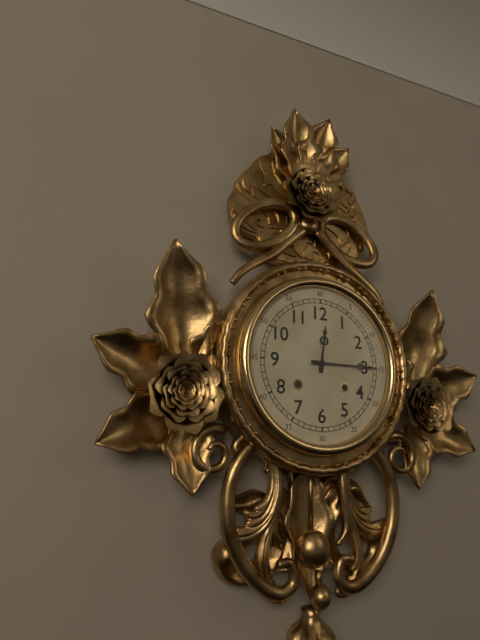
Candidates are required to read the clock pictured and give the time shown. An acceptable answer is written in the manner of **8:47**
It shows **12:15**
